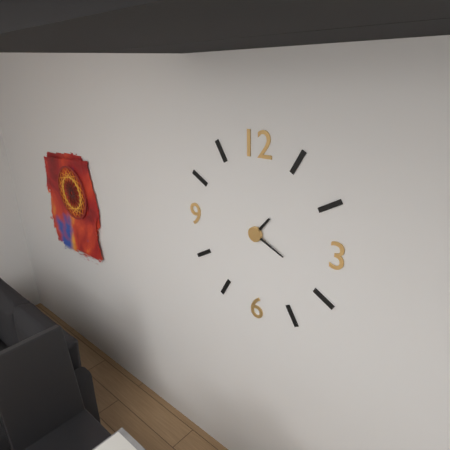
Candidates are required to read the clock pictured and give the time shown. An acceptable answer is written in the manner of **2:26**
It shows **1:19**
